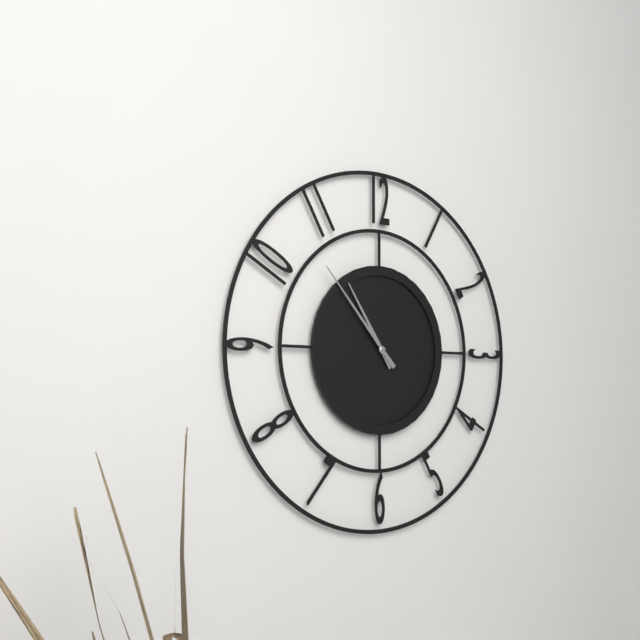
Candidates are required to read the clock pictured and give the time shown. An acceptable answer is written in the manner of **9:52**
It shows **10:53**
